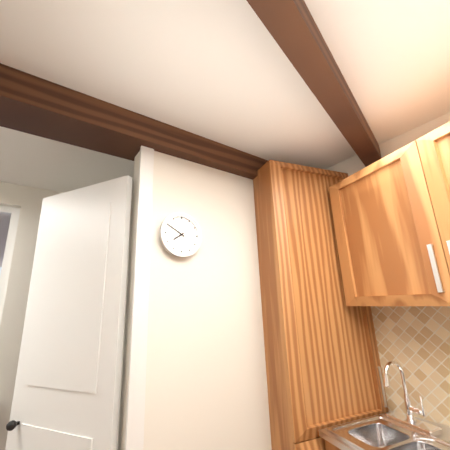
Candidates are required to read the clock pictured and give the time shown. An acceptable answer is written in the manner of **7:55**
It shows **7:50**
